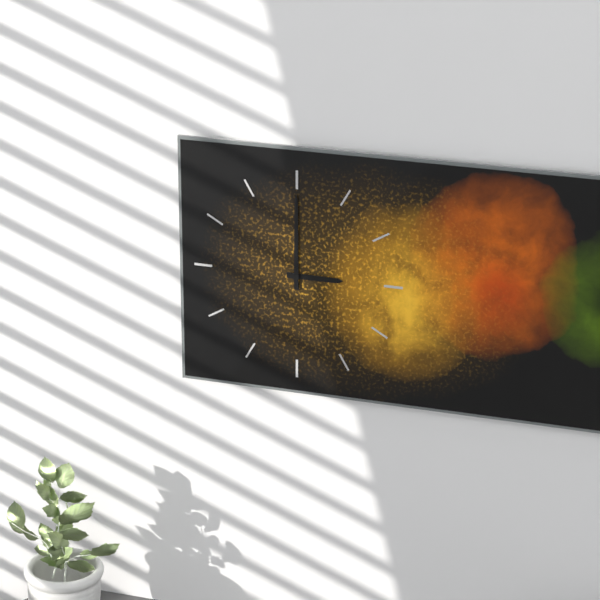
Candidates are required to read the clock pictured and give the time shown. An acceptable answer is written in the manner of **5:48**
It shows **3:00**
